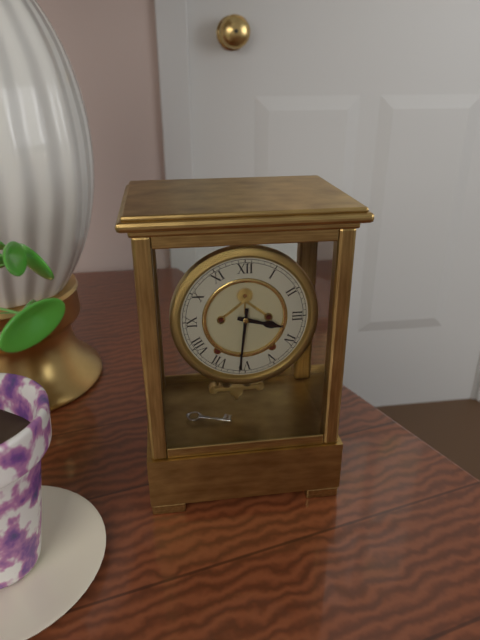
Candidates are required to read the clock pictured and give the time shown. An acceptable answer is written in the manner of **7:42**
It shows **3:31**
